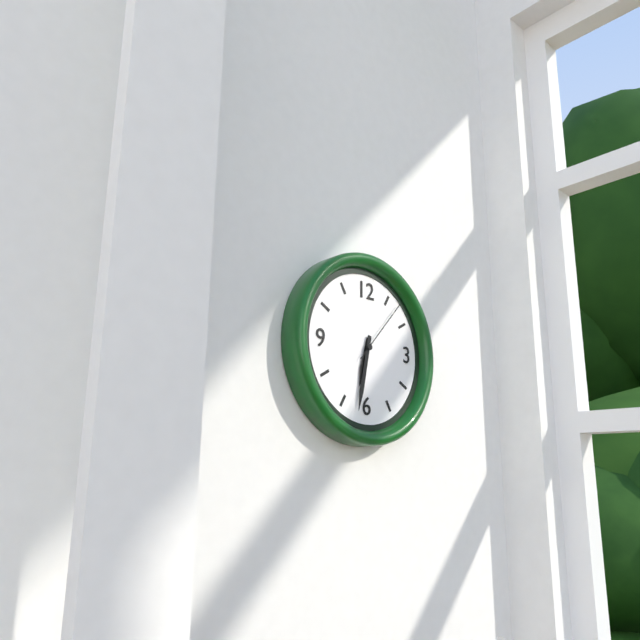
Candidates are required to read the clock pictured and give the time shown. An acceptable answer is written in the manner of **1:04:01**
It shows **6:32:07**
